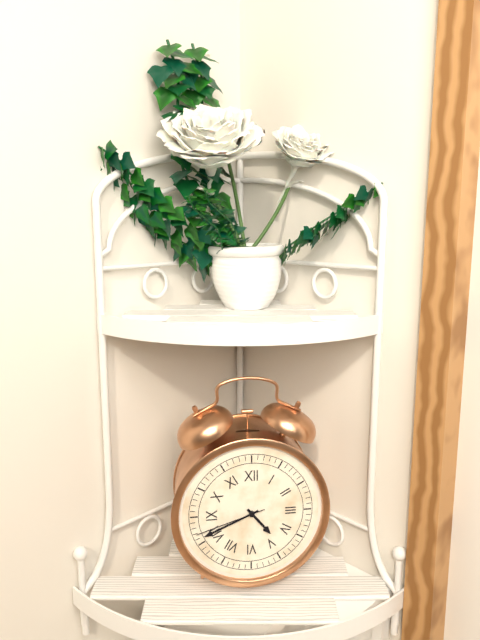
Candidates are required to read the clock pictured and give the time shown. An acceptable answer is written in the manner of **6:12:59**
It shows **4:41:42**
